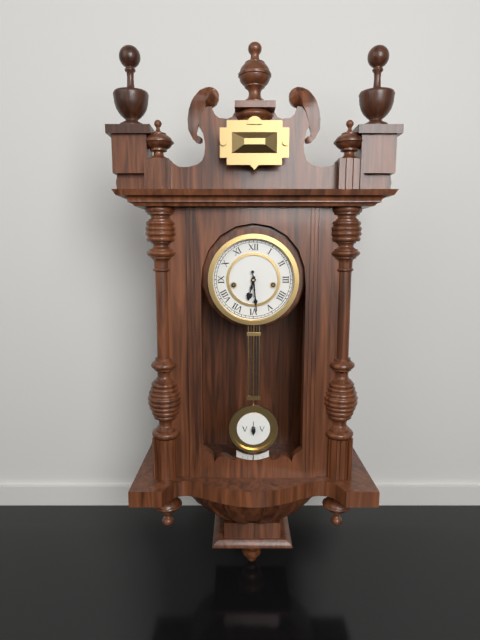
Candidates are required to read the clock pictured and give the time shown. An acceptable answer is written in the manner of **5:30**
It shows **6:29**
